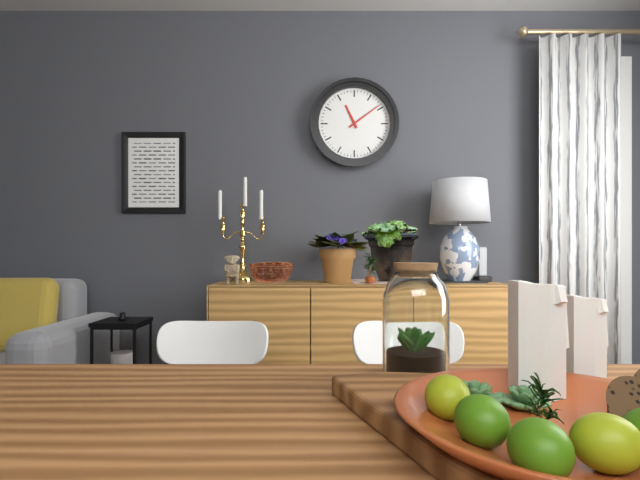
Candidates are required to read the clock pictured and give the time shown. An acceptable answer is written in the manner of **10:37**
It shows **11:09**
